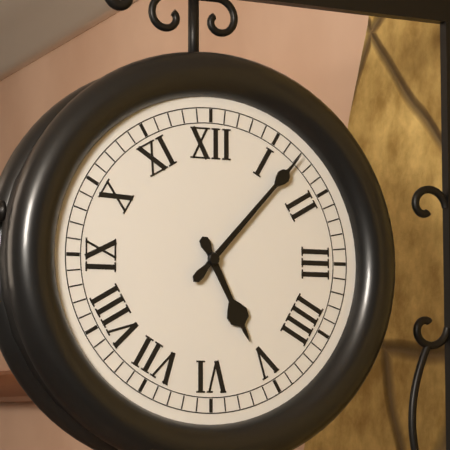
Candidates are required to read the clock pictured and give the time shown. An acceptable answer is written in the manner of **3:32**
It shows **5:07**
